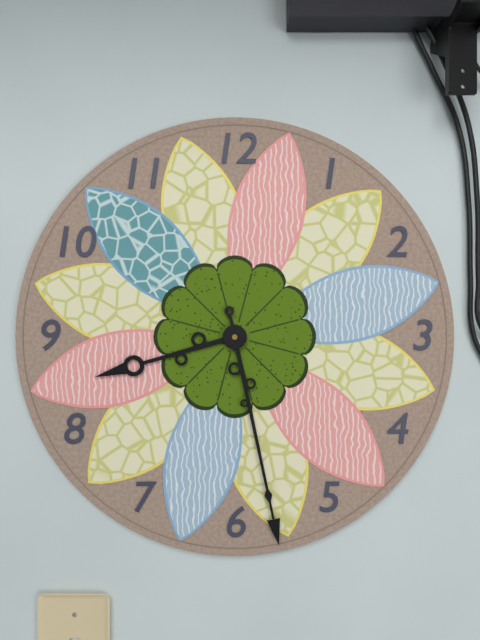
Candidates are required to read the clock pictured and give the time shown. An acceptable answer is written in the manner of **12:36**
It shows **8:28**
